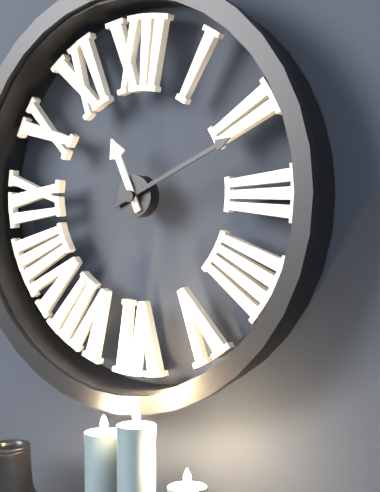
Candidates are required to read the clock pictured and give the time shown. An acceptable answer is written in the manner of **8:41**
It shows **11:11**
